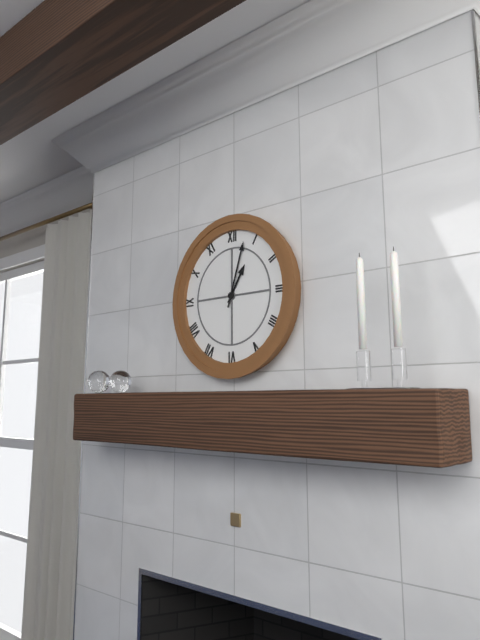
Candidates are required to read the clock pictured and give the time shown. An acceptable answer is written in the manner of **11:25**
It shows **1:03**
